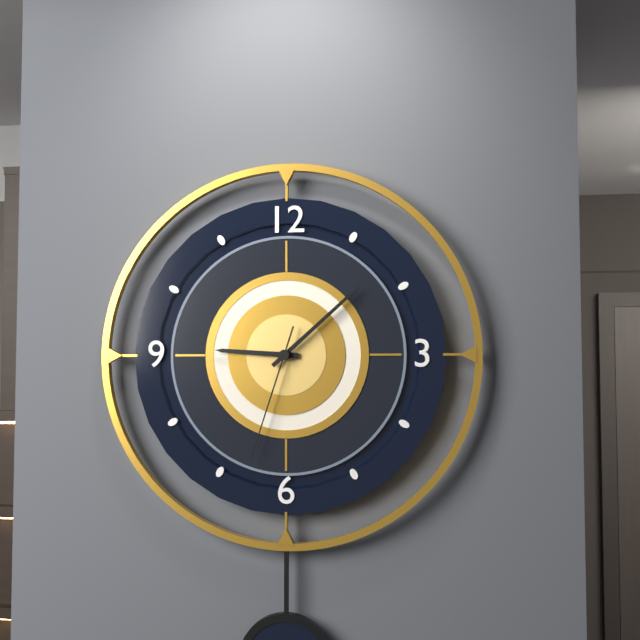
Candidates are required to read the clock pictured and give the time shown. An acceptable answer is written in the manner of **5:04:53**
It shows **9:08:33**
